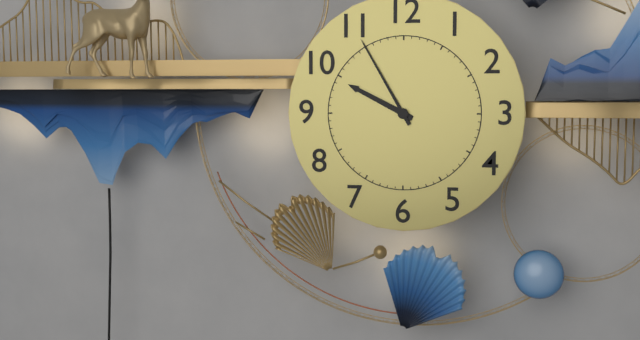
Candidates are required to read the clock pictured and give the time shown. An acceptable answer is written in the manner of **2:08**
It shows **9:55**
